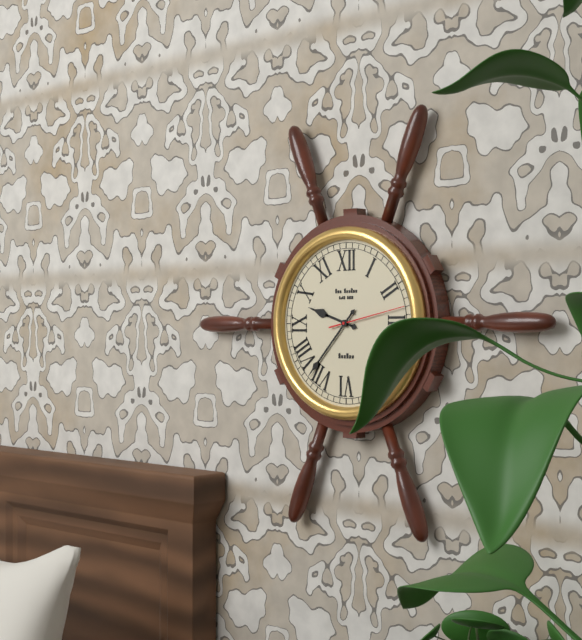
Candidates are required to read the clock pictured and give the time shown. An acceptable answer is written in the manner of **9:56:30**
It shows **9:37:13**
